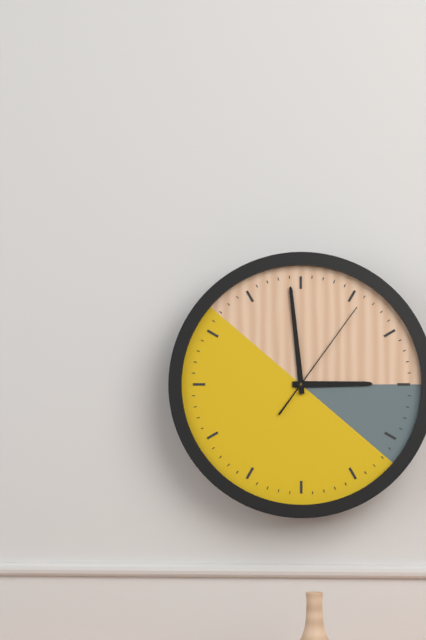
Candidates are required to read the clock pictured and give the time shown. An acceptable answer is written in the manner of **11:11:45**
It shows **2:59:06**
